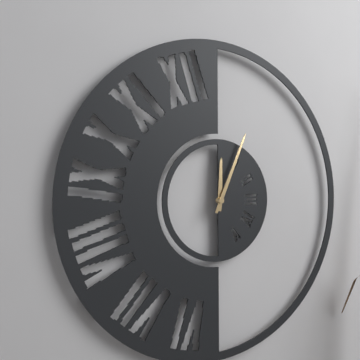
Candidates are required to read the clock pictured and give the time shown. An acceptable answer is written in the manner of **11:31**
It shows **12:04**
